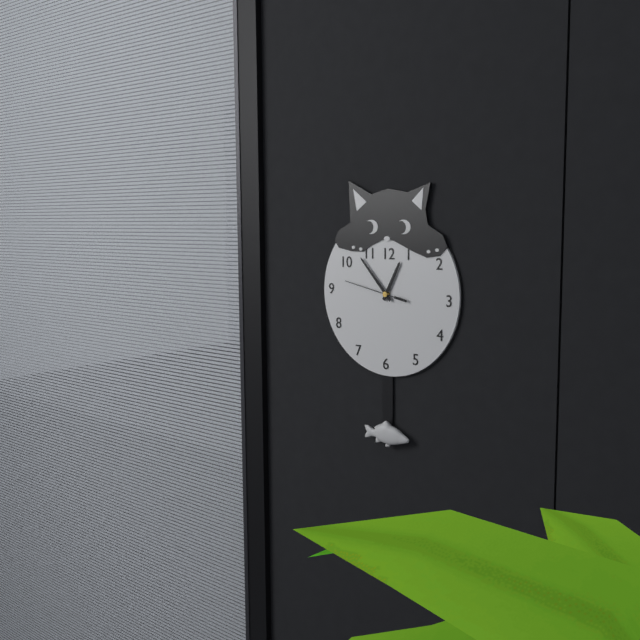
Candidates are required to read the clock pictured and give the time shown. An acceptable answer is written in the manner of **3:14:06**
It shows **12:53:47**
